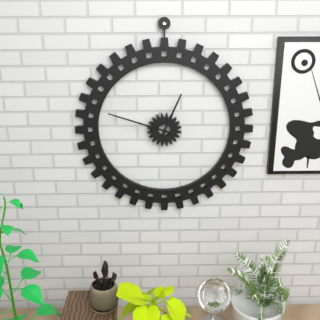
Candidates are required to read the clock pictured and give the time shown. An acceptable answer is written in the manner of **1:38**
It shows **12:48**
